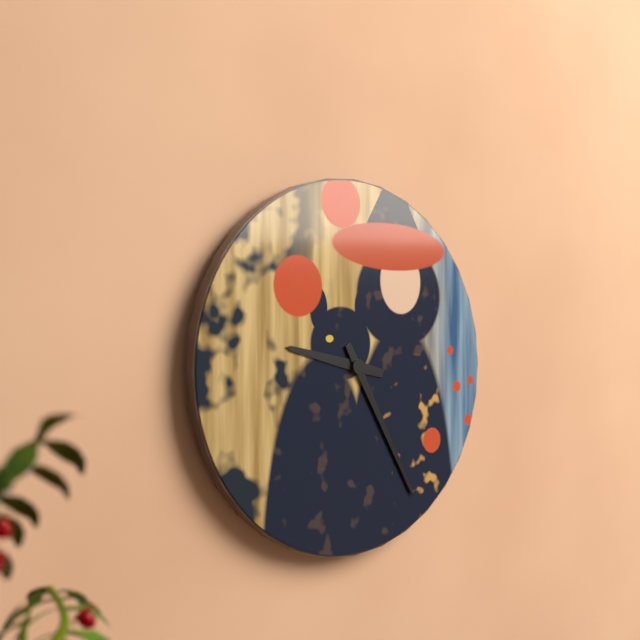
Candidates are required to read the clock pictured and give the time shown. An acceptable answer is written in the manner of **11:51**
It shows **9:25**
